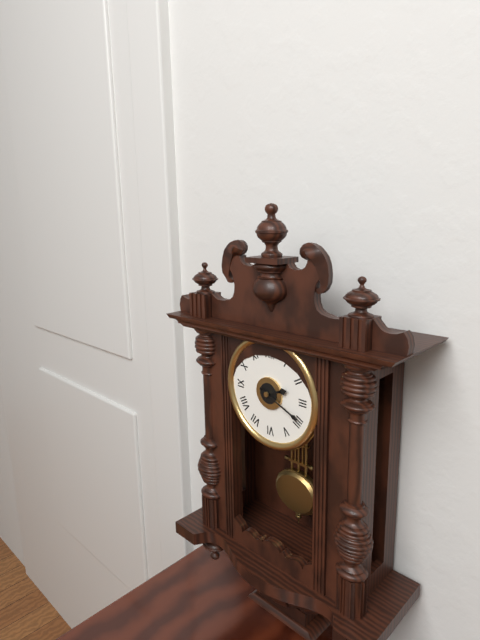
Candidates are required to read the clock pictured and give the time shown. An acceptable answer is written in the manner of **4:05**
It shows **2:19**
